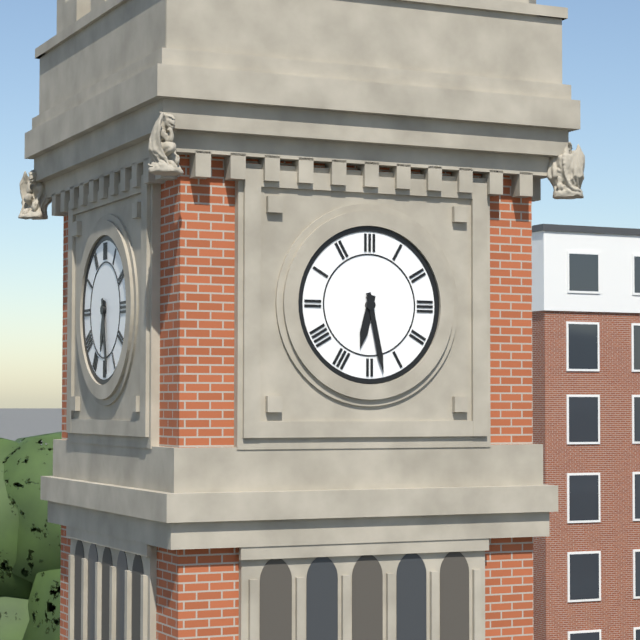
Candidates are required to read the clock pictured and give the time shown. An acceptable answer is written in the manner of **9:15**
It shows **6:28**
